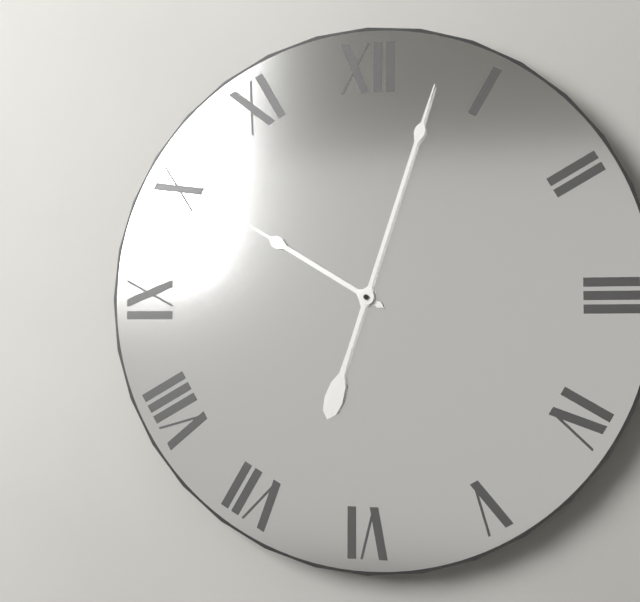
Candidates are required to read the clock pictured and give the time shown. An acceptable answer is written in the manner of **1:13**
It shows **10:03**
